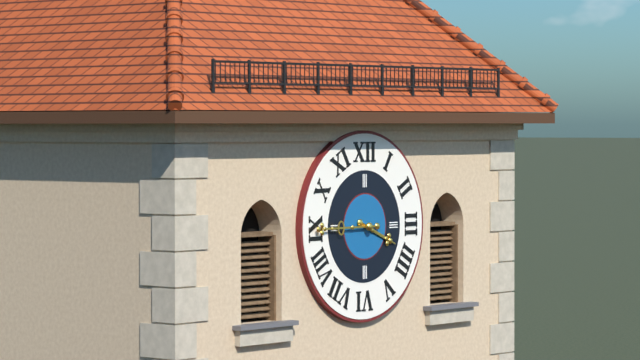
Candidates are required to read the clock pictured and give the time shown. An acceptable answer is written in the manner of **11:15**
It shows **3:45**
